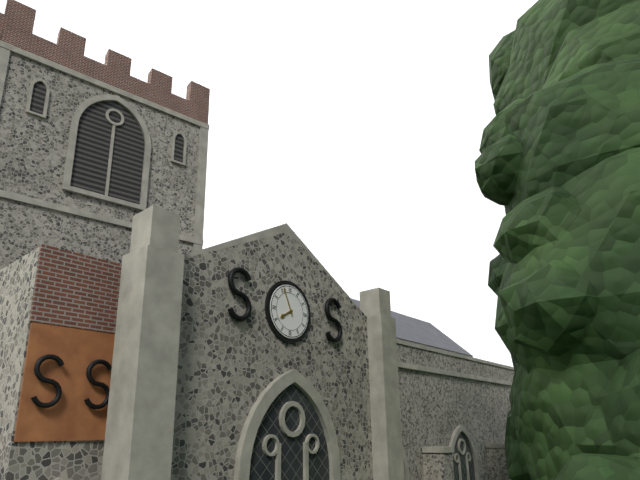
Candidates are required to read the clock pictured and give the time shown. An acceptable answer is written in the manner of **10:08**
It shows **7:56**
